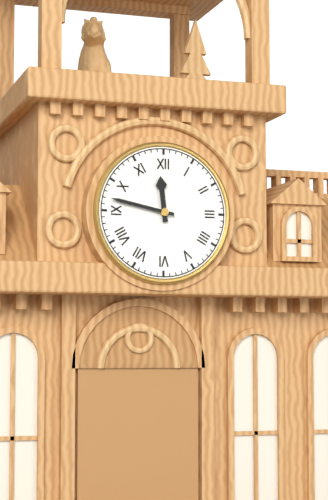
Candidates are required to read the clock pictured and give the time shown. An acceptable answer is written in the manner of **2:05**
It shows **11:47**
